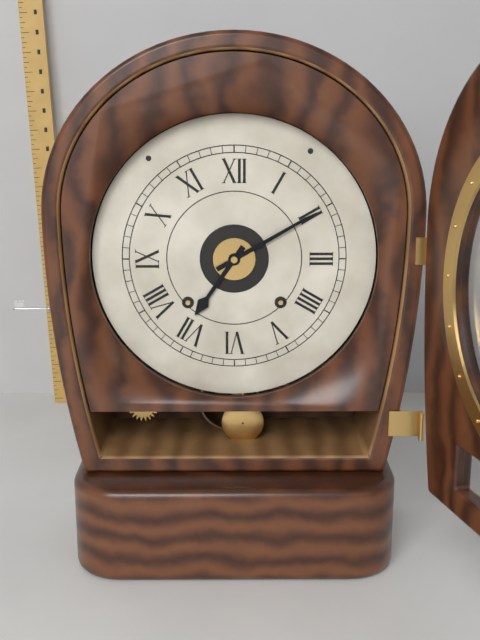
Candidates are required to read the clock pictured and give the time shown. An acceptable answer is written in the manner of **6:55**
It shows **7:10**
